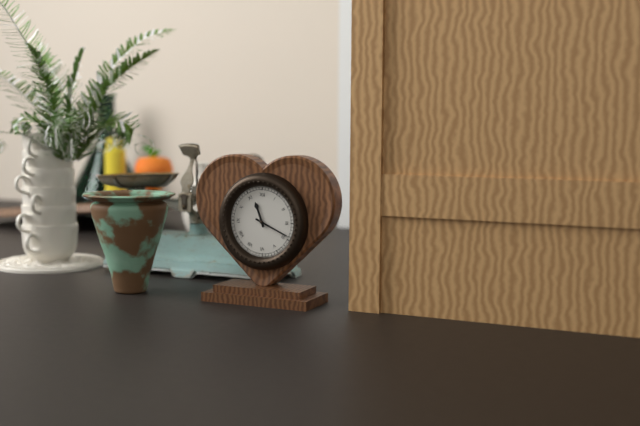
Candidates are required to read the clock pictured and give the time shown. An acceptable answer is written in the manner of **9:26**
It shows **11:19**
